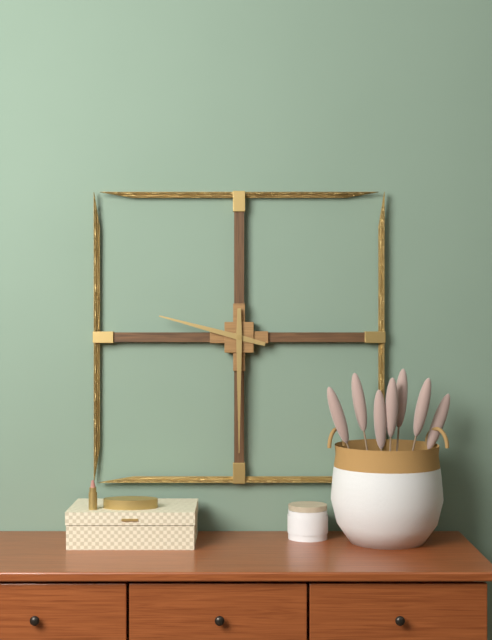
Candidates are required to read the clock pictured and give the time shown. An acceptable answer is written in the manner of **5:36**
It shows **9:30**
